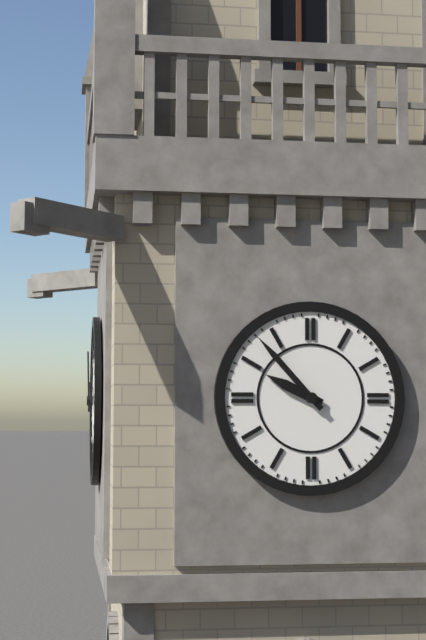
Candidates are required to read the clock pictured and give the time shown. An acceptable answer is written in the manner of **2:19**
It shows **9:53**
